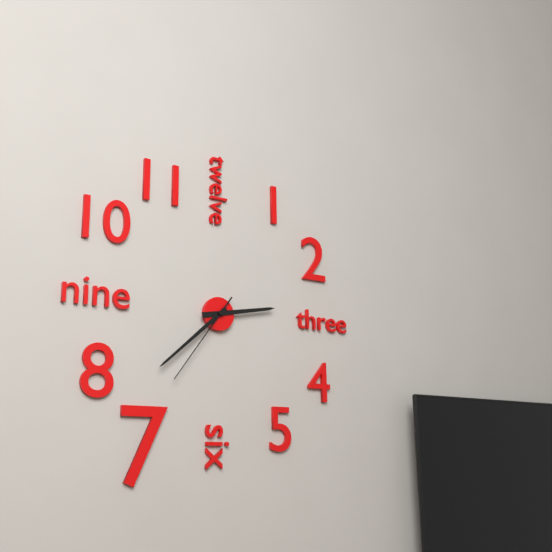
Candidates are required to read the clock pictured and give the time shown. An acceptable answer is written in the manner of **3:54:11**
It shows **2:38:36**
